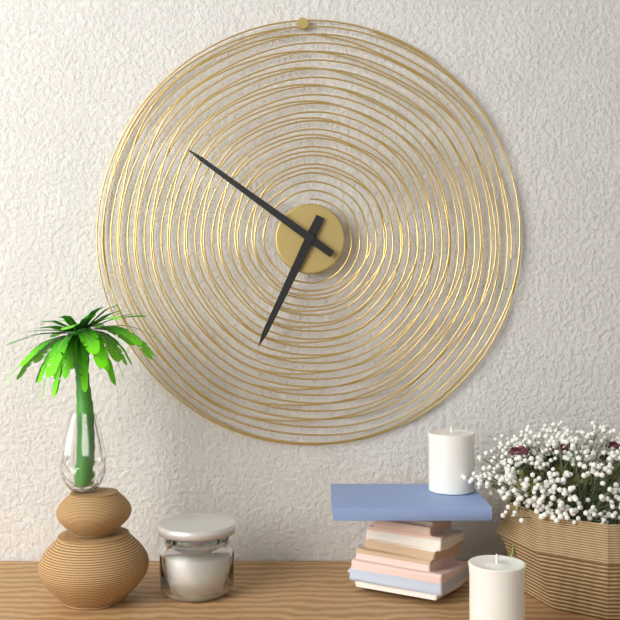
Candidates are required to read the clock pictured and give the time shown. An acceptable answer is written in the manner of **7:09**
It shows **6:51**
